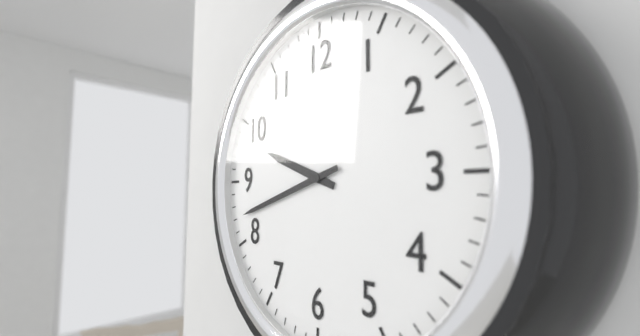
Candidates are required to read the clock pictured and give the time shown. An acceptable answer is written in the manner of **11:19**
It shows **9:42**
